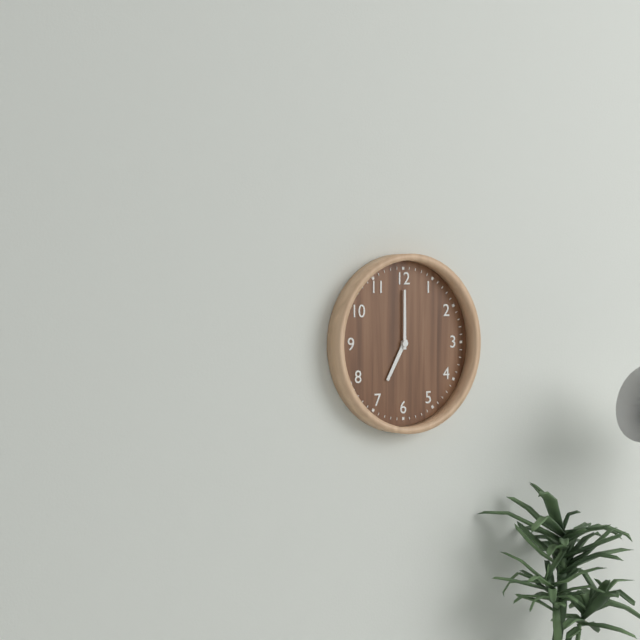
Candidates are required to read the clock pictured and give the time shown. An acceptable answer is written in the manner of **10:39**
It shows **7:00**
